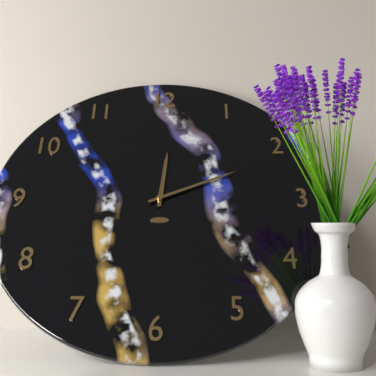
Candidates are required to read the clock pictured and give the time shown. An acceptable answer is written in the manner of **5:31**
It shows **12:11**
